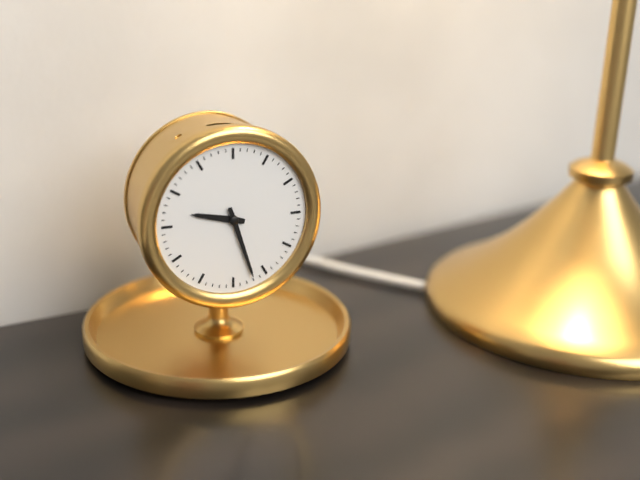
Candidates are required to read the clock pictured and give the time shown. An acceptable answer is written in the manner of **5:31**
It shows **9:27**
